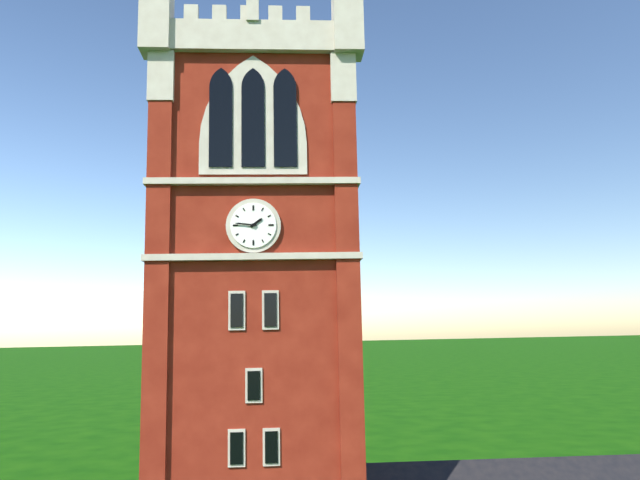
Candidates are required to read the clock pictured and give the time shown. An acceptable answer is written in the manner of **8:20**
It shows **1:46**
